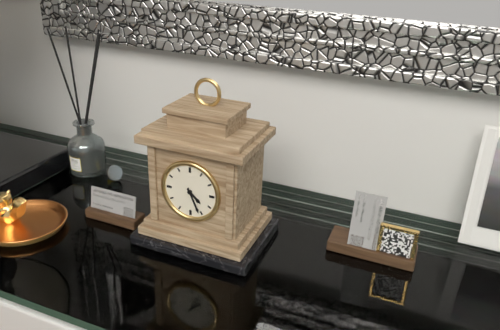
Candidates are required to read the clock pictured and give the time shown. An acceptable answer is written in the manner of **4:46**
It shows **4:26**
